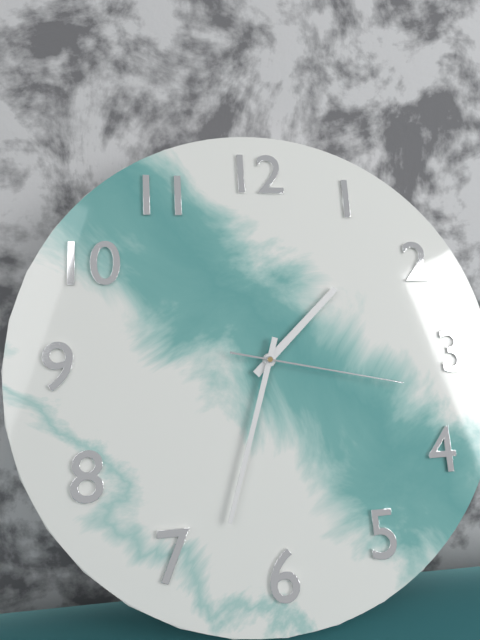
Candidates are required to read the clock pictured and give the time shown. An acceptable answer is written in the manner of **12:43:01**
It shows **1:33:17**
